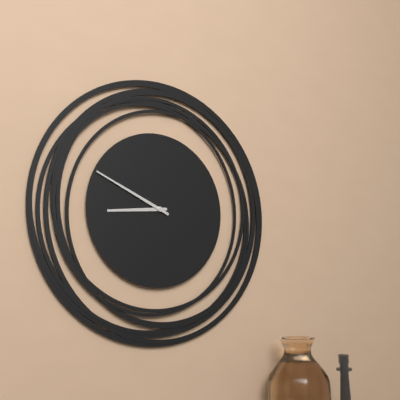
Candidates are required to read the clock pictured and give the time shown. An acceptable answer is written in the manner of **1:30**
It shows **8:49**
